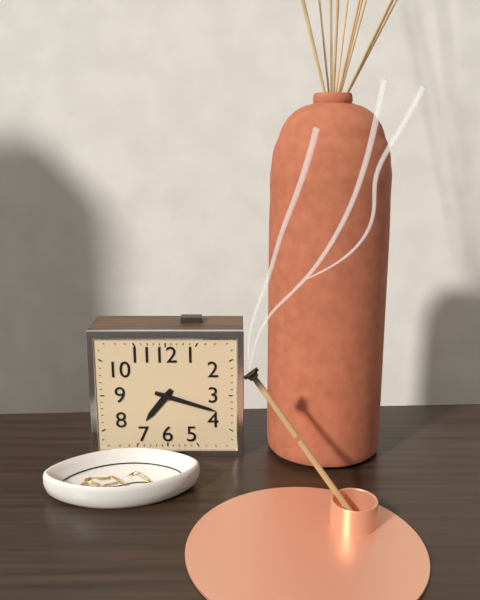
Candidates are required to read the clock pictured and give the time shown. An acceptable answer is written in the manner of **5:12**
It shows **7:18**
